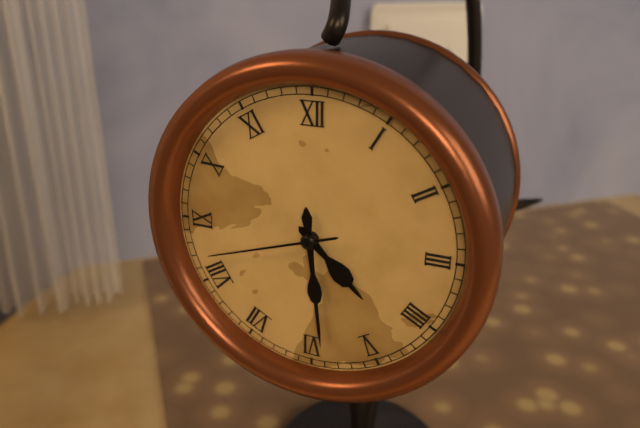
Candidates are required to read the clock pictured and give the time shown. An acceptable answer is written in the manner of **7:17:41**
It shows **4:29:42**
